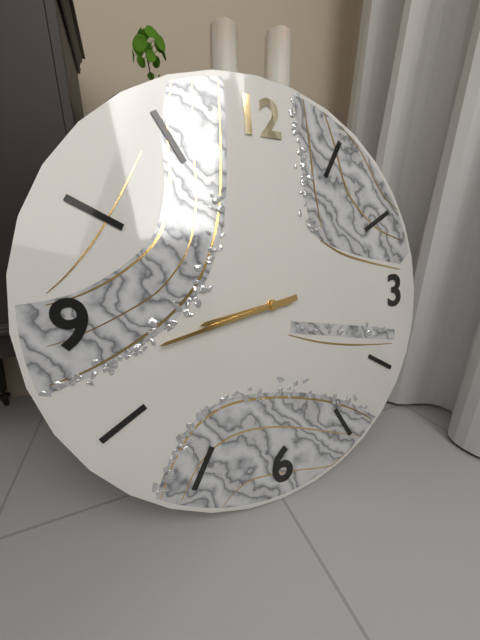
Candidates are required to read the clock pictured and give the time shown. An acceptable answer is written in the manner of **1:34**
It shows **8:43**
